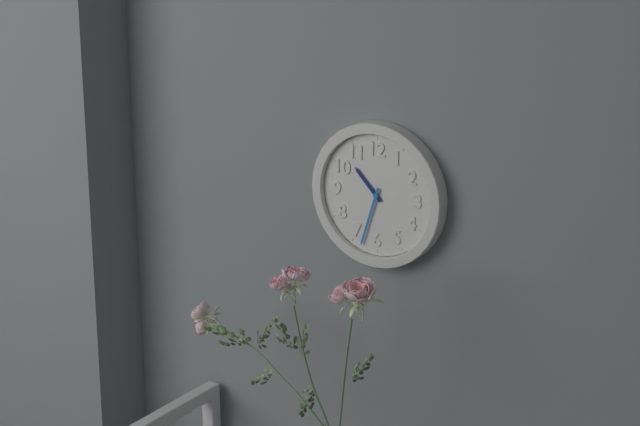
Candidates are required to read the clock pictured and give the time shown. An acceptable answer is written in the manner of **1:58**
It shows **10:33**
